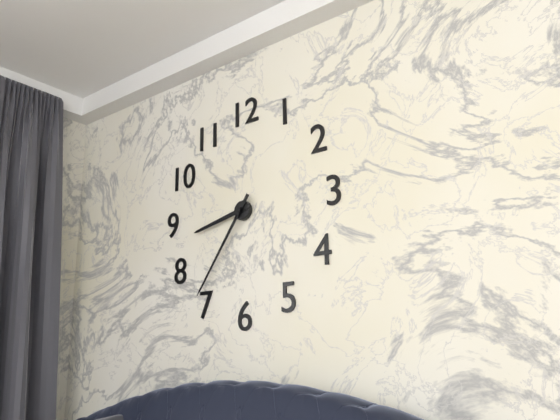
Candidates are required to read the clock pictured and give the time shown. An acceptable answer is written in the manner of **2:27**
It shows **8:36**
